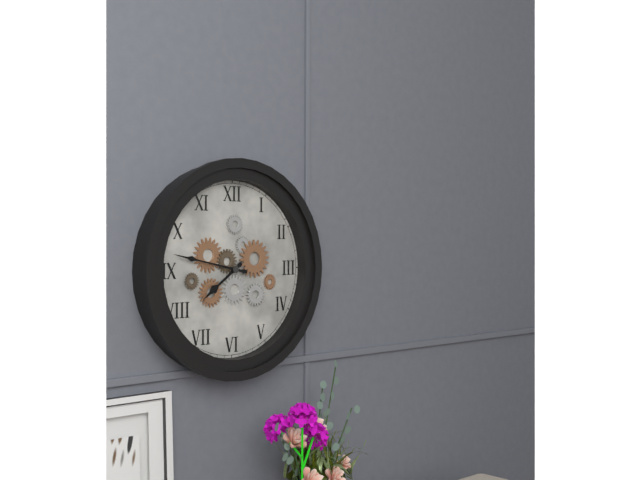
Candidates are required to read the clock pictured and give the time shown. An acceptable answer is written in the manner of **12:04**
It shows **7:47**
